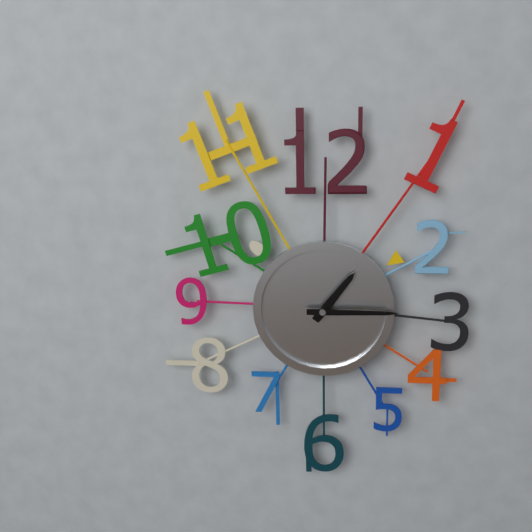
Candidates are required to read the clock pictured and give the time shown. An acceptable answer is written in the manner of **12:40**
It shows **1:15**
